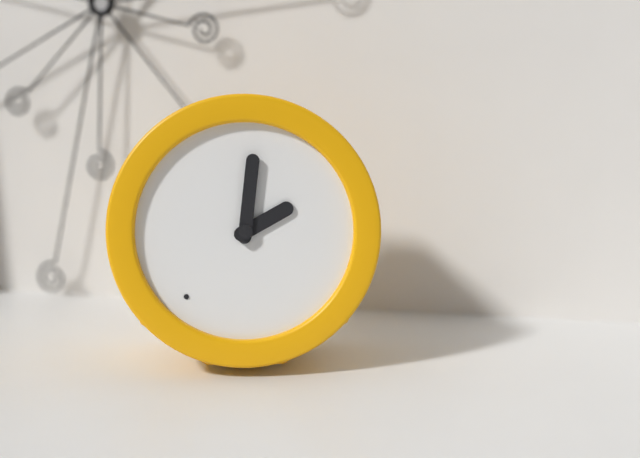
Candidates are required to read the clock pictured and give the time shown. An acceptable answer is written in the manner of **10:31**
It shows **2:01**
